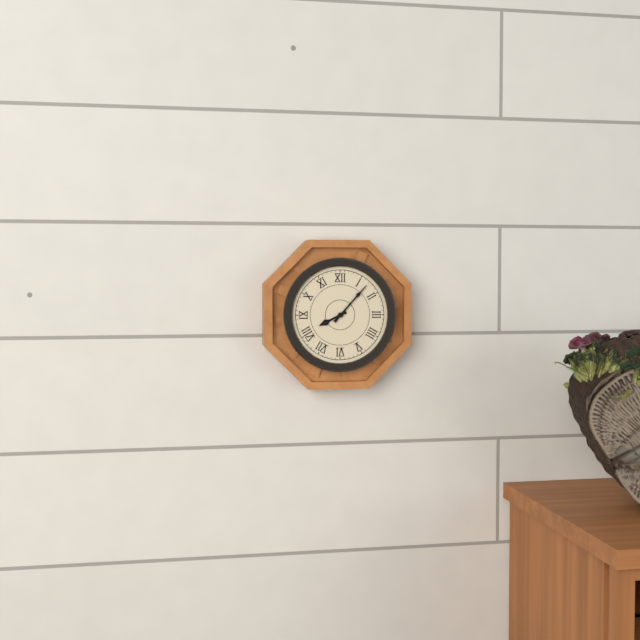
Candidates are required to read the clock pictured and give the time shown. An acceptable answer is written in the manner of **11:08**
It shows **8:07**
